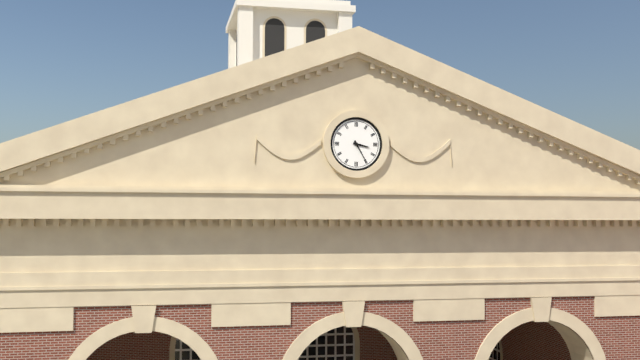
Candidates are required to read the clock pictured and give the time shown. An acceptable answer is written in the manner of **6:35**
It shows **3:25**
